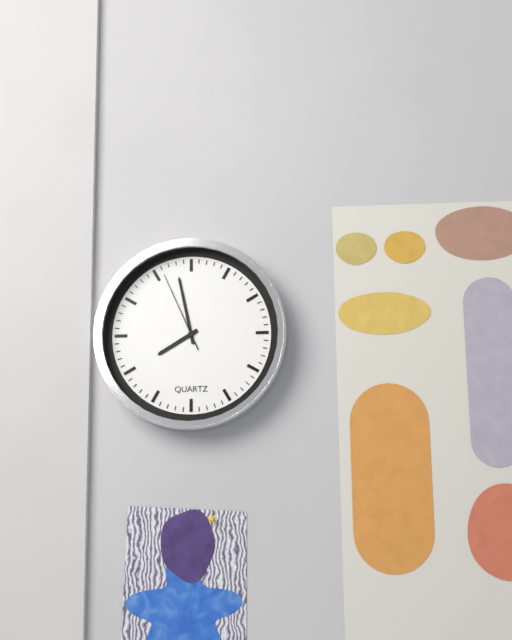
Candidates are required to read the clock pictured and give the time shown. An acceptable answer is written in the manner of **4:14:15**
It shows **7:58:56**
